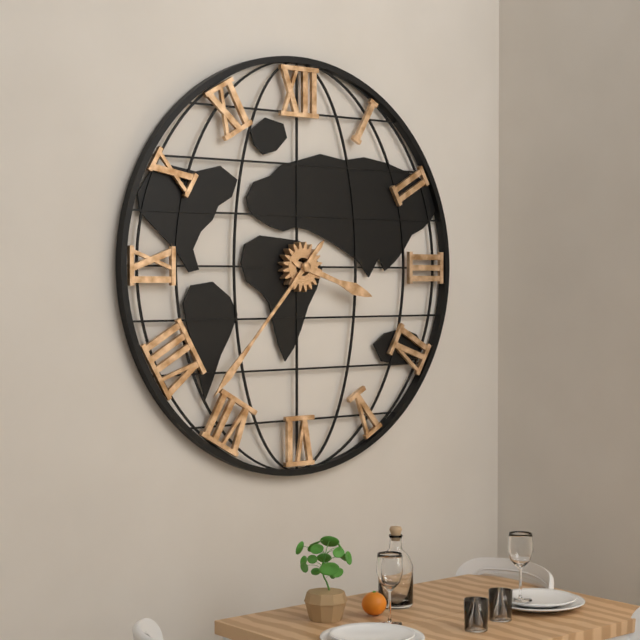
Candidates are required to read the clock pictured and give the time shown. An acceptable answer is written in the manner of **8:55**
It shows **3:37**
